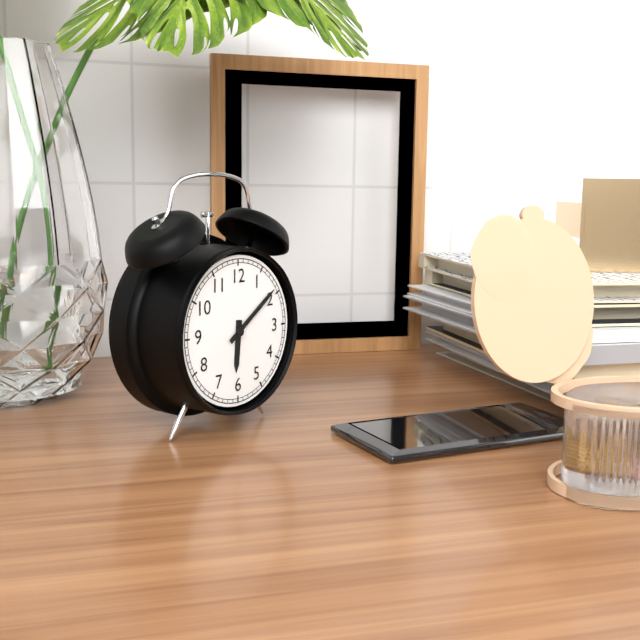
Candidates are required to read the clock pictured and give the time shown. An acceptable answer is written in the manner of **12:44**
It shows **6:09**
